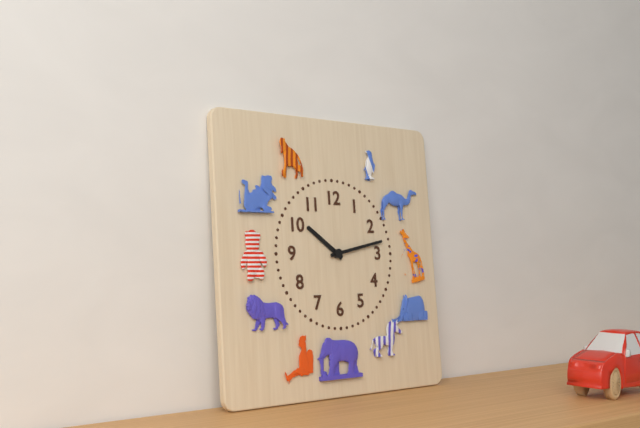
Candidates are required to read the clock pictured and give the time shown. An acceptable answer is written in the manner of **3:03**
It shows **10:13**
